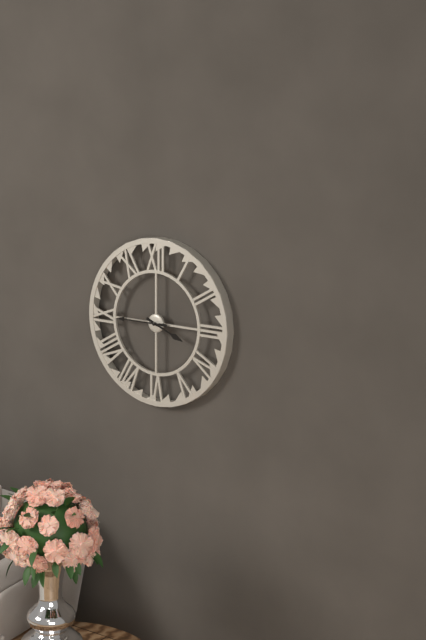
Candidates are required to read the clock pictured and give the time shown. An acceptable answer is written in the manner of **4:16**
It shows **3:45**
